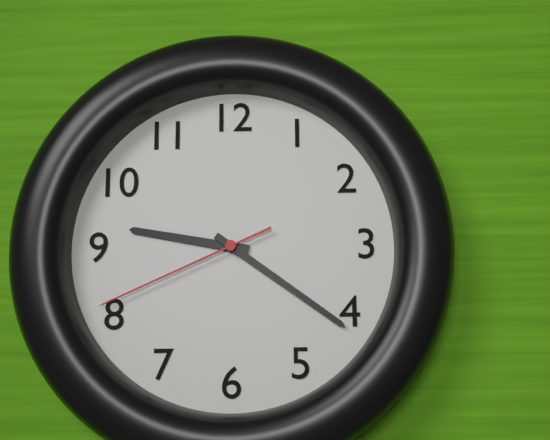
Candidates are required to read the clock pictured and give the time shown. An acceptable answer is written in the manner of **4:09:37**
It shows **9:21:41**
